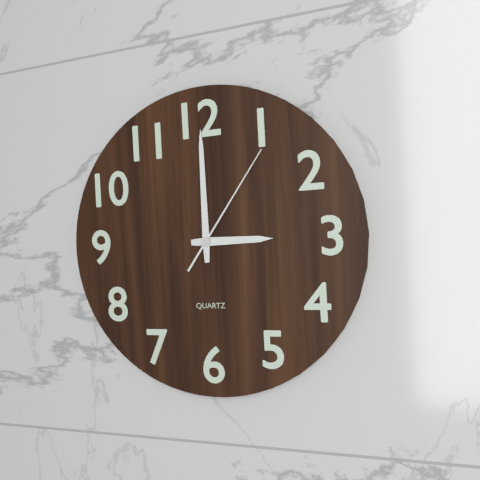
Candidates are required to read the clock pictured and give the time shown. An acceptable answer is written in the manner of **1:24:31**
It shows **3:00:06**
